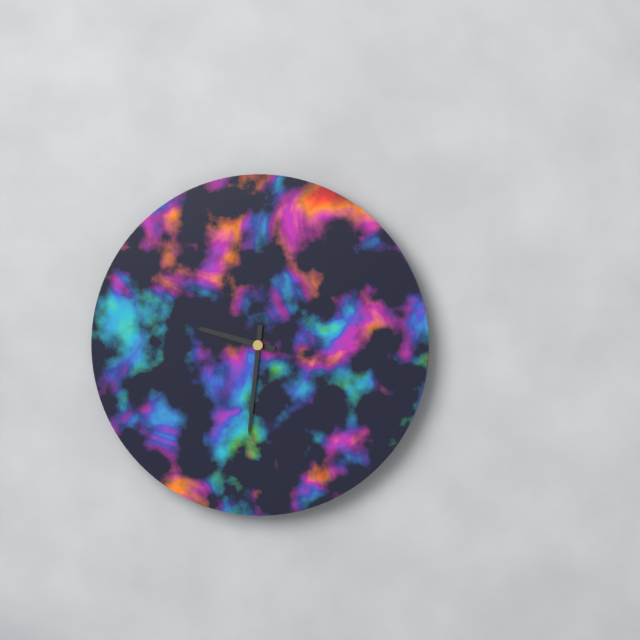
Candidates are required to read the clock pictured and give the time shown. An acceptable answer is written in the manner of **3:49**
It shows **9:31**
